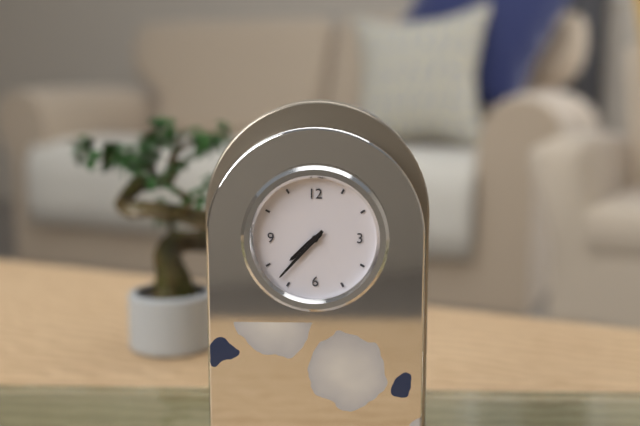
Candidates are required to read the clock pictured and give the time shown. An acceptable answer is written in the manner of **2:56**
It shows **7:37**
